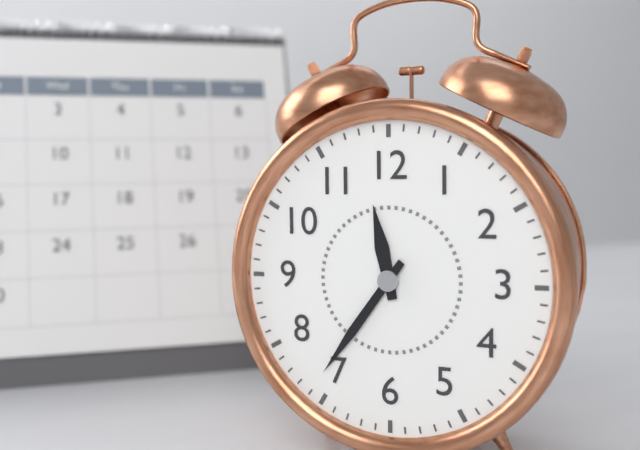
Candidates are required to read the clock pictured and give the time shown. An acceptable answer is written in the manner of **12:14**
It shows **11:36**
